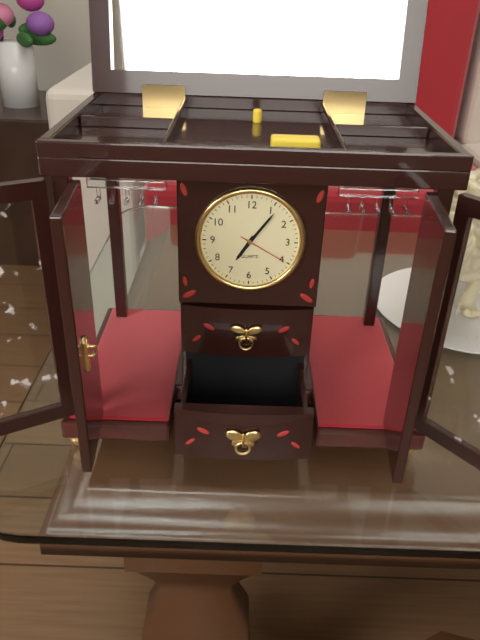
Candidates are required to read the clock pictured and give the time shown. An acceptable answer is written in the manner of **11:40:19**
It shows **7:06:20**
